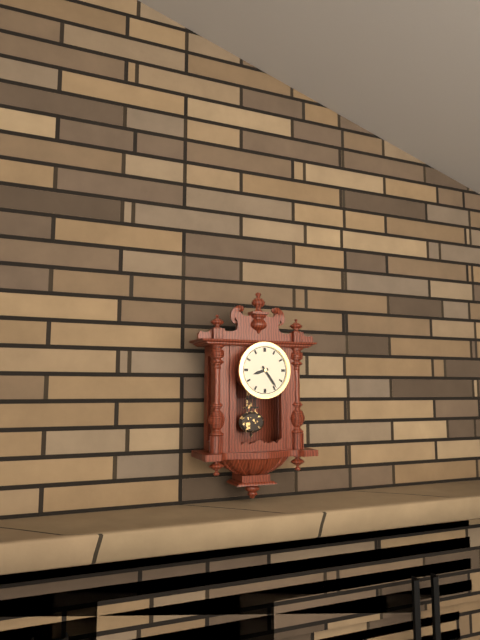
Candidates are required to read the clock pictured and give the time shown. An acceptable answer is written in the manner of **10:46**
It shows **8:24**
